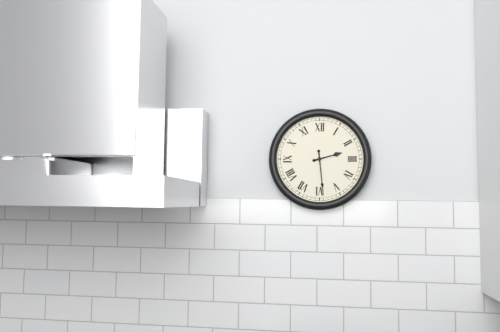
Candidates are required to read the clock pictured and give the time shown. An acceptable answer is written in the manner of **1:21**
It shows **2:29**
